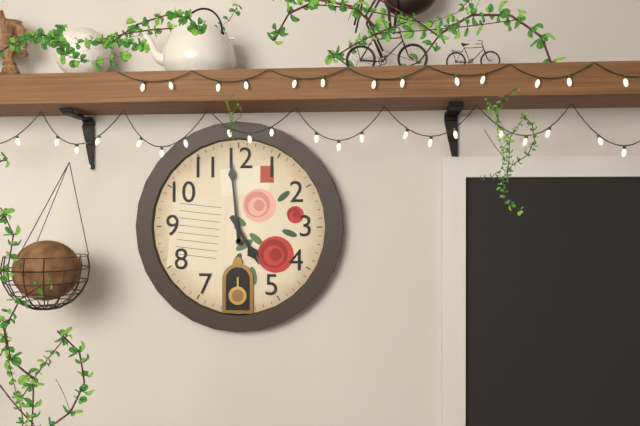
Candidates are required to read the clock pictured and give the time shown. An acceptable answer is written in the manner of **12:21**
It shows **4:59**
